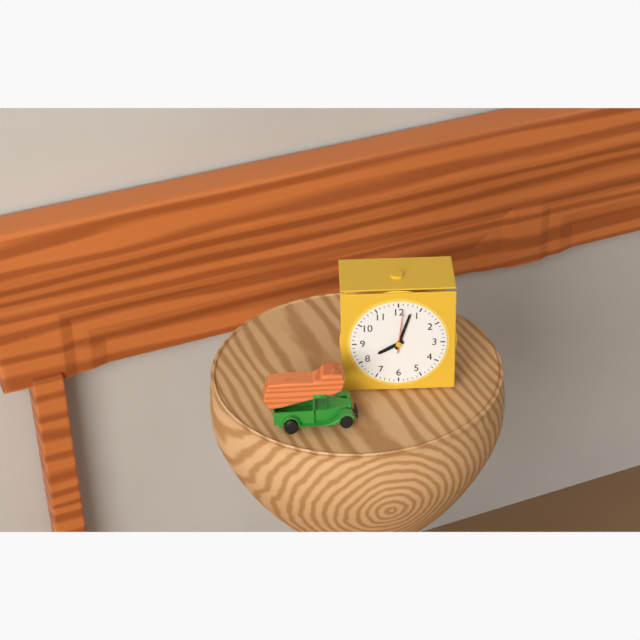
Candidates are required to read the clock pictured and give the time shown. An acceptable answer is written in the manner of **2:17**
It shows **8:03**
